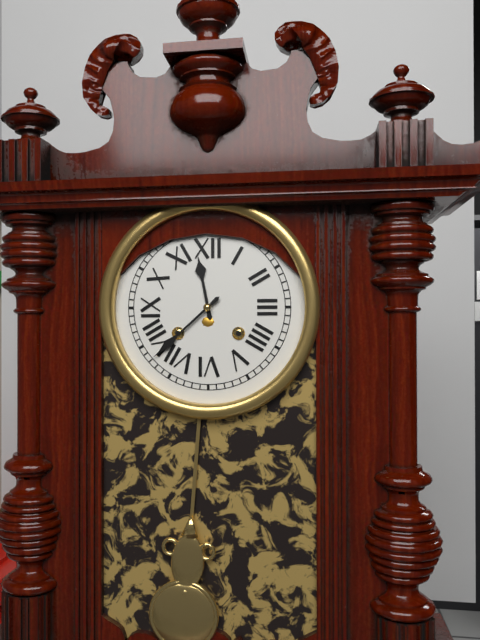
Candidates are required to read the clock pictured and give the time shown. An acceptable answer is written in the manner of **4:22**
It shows **11:38**
